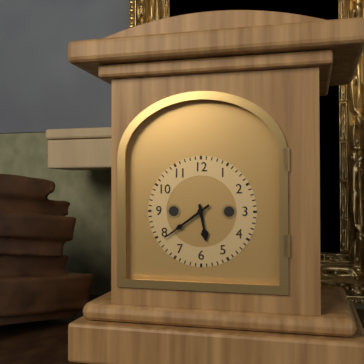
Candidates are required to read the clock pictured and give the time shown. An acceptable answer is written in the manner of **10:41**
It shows **5:39**
